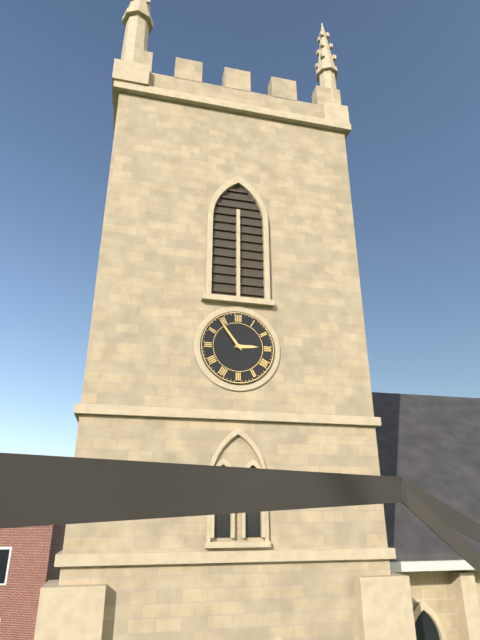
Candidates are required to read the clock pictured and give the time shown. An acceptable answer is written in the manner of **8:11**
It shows **2:54**
